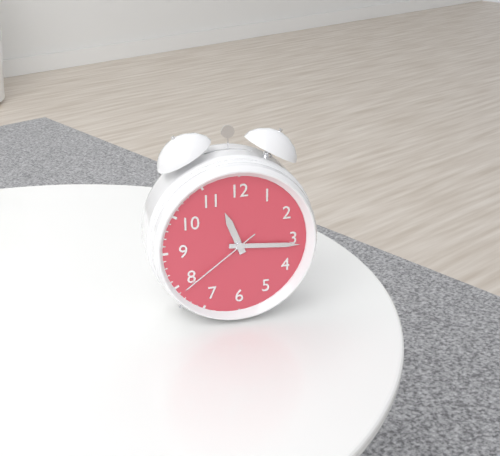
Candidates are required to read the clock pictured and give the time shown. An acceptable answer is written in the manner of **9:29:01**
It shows **11:16:39**
